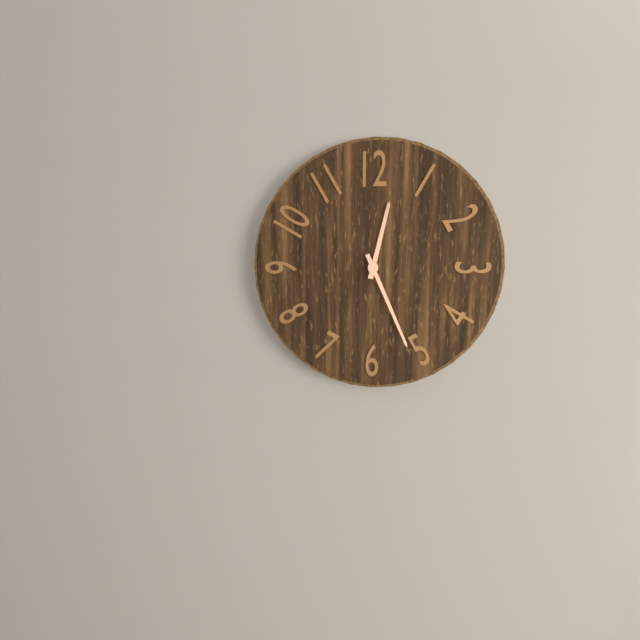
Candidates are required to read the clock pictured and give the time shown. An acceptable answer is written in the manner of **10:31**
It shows **12:26**
